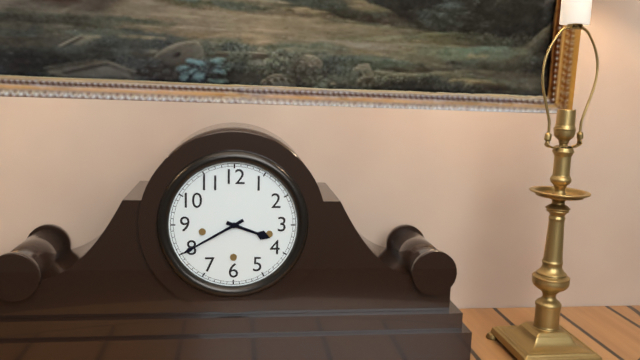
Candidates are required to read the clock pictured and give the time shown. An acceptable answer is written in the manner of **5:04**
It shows **3:40**
